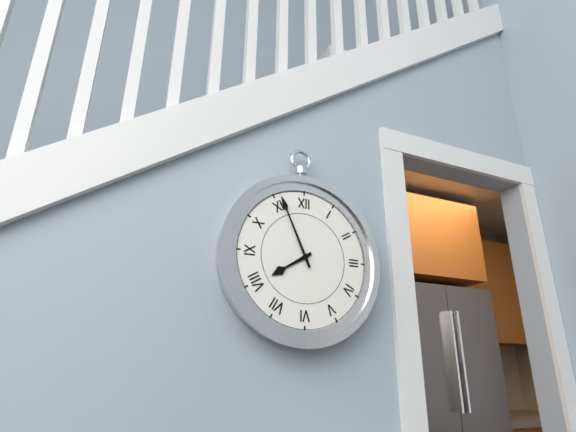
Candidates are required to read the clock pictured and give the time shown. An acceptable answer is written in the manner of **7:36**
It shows **7:56**
